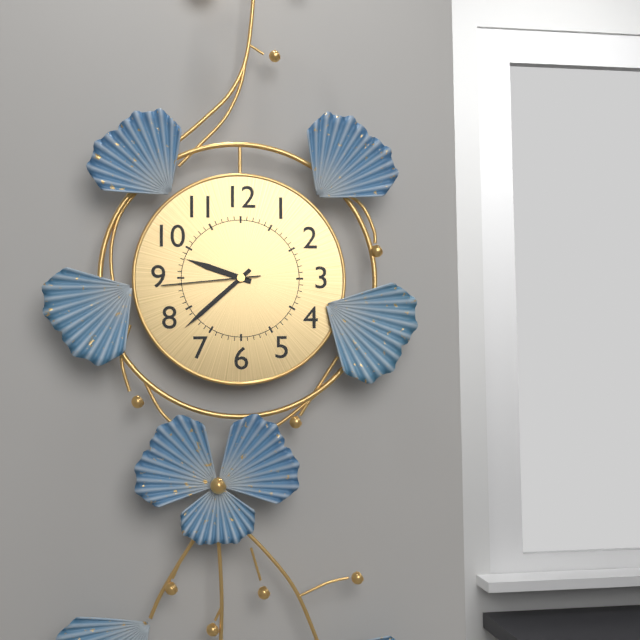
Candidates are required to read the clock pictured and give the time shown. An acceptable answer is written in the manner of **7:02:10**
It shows **9:38:44**
